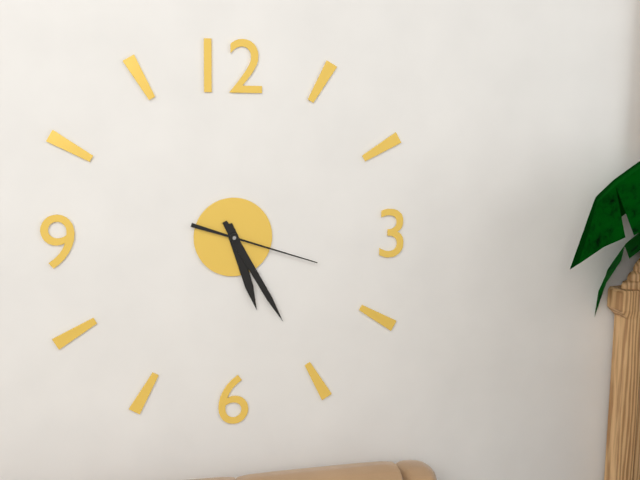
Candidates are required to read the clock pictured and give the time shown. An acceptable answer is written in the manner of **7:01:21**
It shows **5:25:18**
